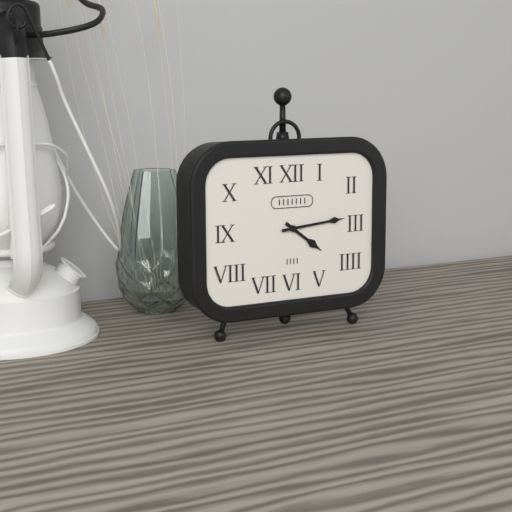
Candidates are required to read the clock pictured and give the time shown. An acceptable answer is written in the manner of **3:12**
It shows **4:14**
